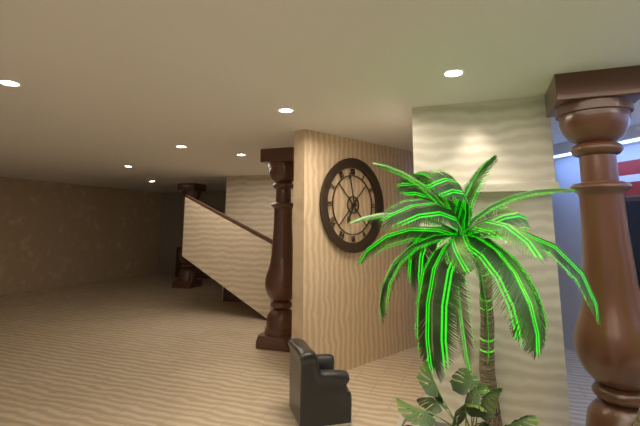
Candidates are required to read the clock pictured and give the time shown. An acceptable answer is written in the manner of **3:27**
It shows **6:58**
